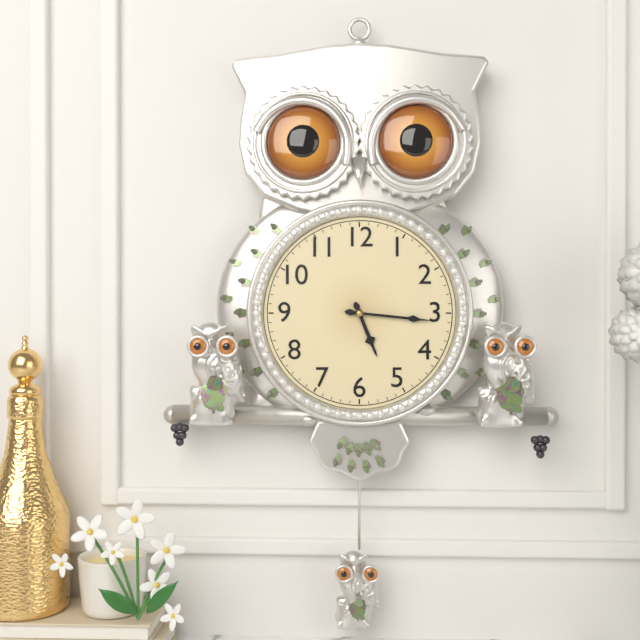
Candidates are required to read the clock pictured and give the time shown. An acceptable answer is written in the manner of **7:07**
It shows **5:16**
